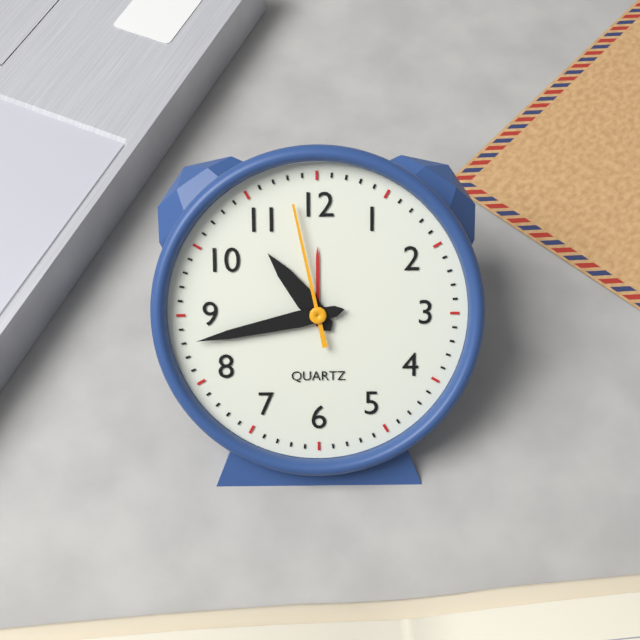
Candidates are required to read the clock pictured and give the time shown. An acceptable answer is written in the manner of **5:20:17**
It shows **10:43:58**
